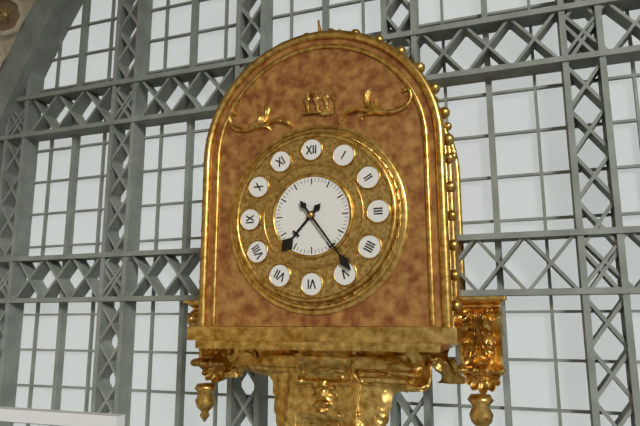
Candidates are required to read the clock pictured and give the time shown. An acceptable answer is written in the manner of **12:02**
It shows **7:24**
